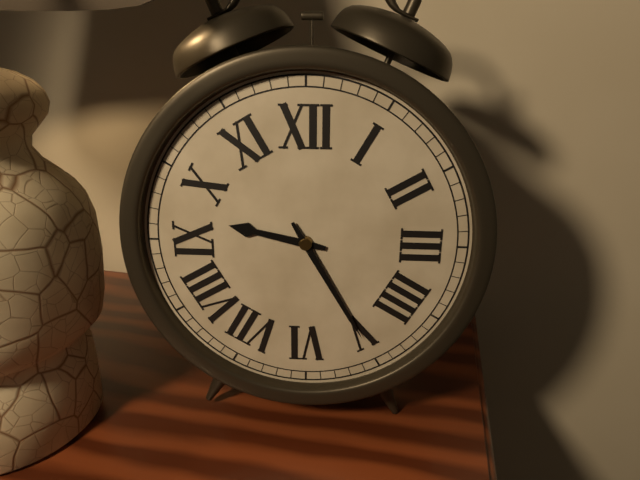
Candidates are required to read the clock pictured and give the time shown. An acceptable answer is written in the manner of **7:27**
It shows **9:25**
